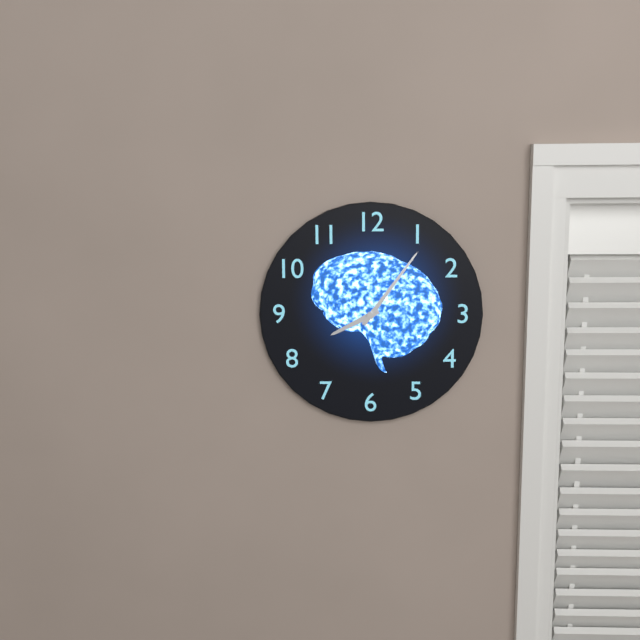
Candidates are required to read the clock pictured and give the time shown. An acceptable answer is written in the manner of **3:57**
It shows **8:06**
